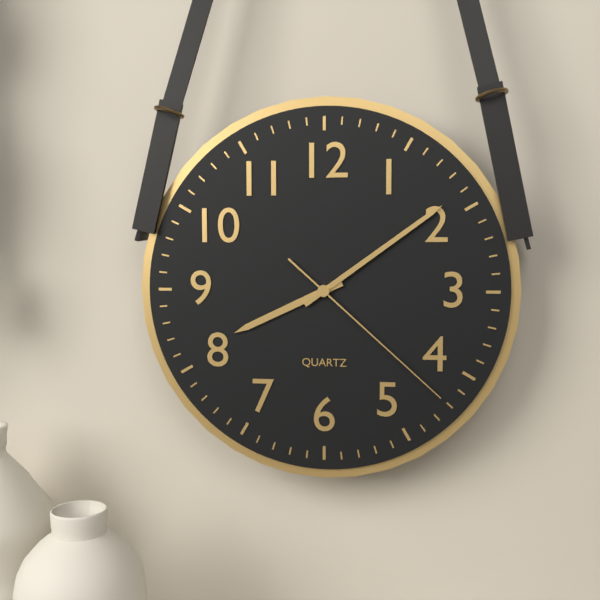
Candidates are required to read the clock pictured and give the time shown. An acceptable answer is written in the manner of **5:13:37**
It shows **8:09:22**
